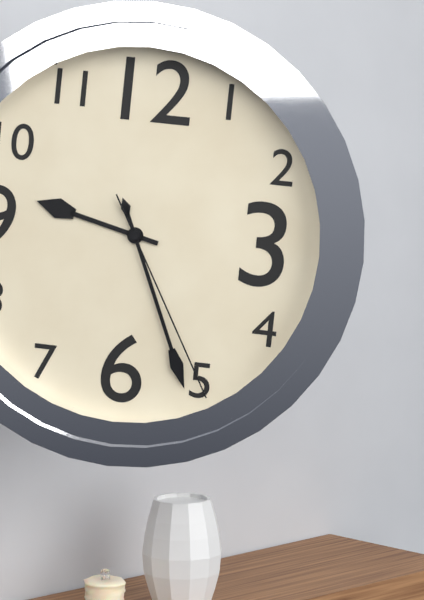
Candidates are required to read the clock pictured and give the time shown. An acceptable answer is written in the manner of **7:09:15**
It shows **9:26:25**
